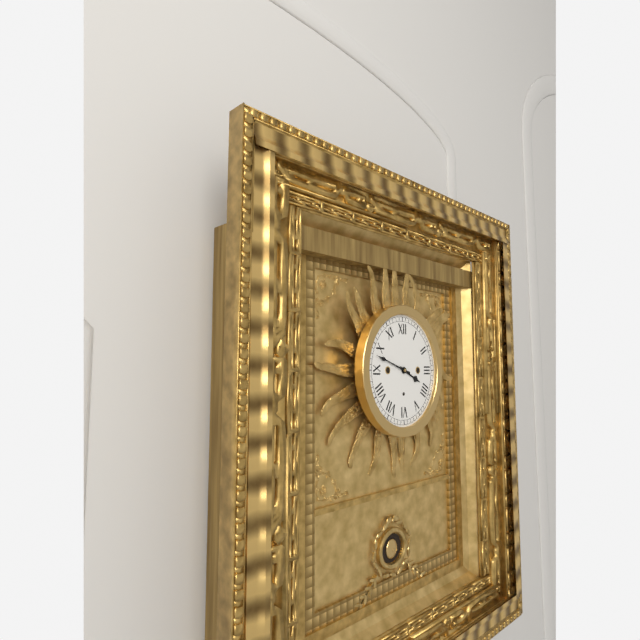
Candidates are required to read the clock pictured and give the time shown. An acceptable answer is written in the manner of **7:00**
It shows **3:48**
